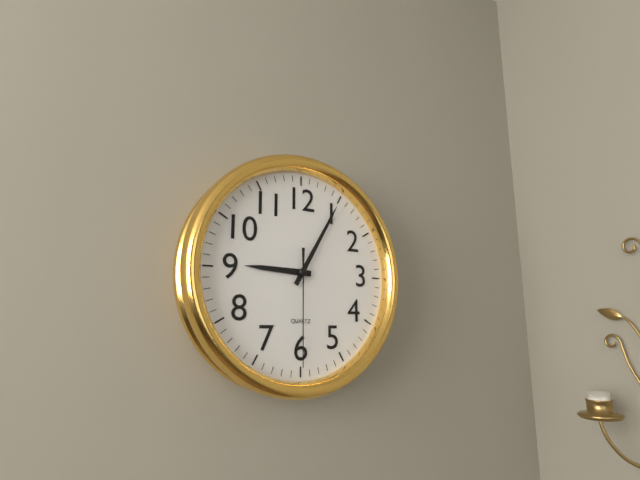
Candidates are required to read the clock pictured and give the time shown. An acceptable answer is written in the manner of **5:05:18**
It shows **9:05:30**
